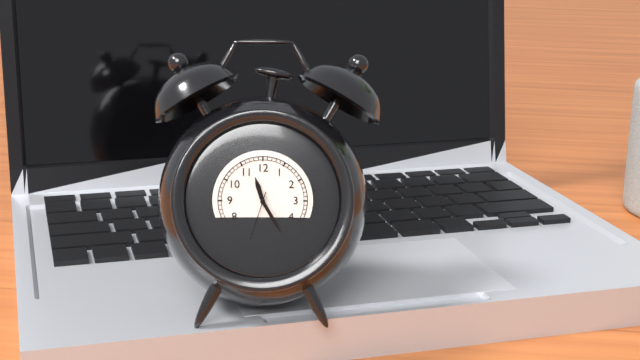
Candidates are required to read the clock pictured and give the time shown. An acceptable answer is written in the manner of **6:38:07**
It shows **11:25:33**
